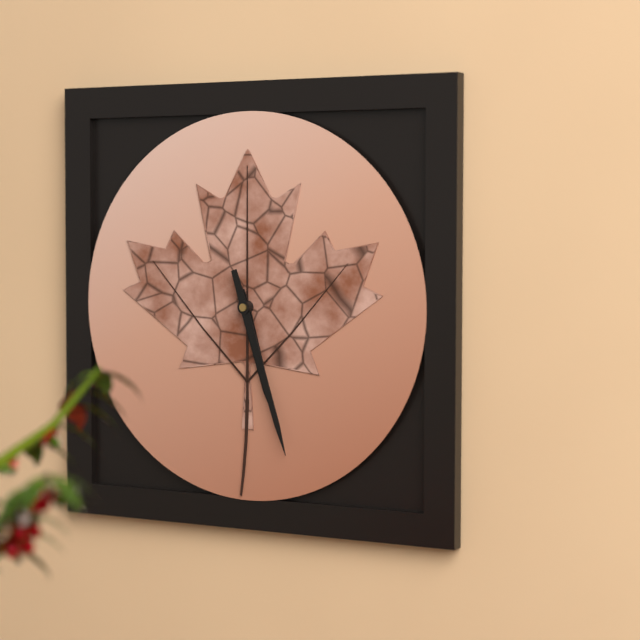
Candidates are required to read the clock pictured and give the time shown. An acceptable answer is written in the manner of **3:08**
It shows **5:27**
